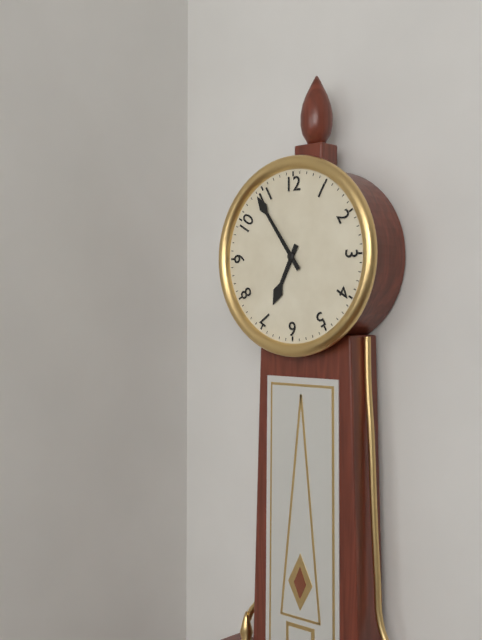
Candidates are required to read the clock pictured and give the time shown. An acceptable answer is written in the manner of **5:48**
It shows **6:54**
